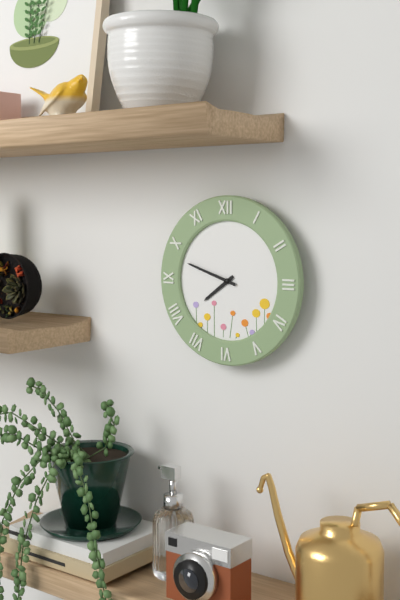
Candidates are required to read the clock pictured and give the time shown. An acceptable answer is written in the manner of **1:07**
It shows **7:48**
